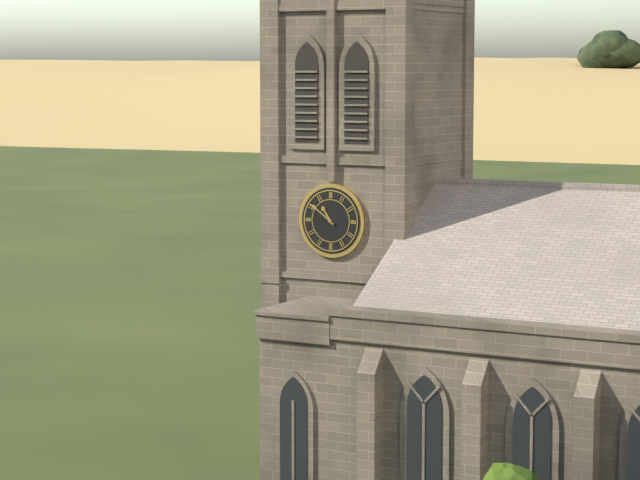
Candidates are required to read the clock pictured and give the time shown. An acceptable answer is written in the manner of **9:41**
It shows **10:51**
